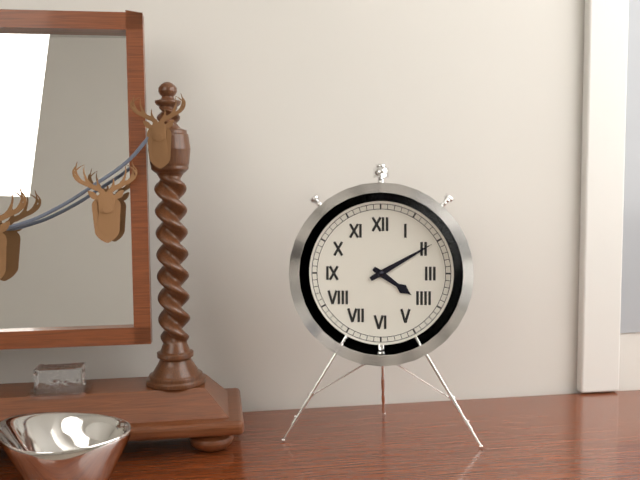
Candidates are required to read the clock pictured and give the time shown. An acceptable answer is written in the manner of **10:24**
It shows **4:10**
